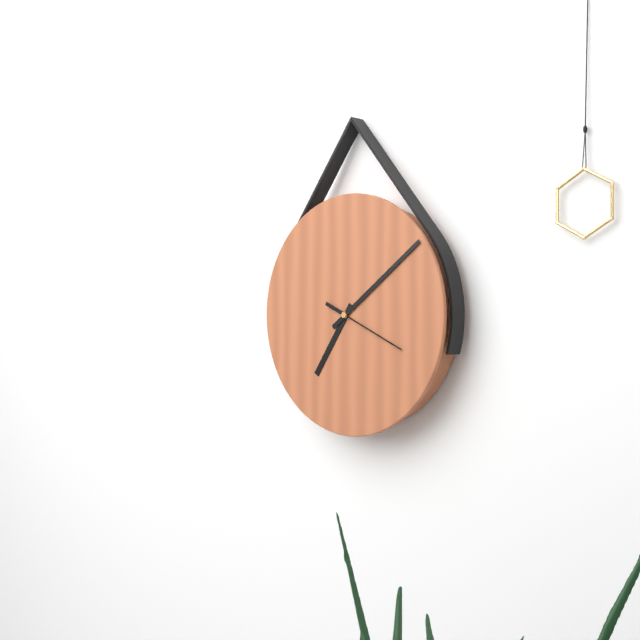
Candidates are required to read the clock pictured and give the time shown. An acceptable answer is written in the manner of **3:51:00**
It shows **7:09:19**
